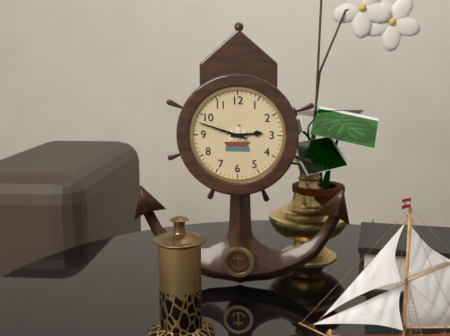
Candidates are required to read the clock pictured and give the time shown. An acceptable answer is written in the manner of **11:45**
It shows **2:48**
